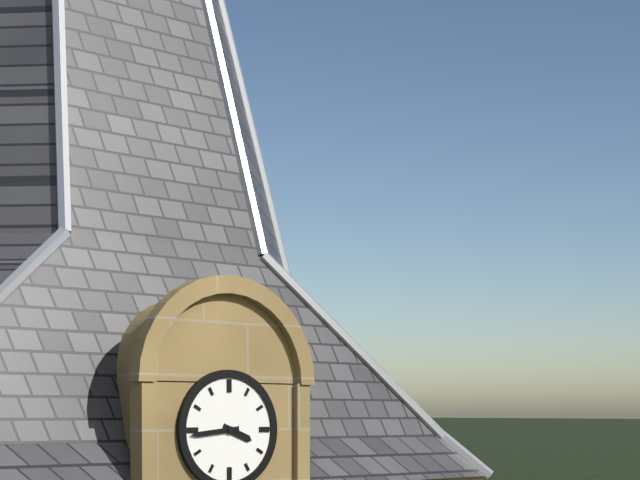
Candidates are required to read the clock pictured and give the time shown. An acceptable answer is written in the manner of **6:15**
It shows **3:44**
